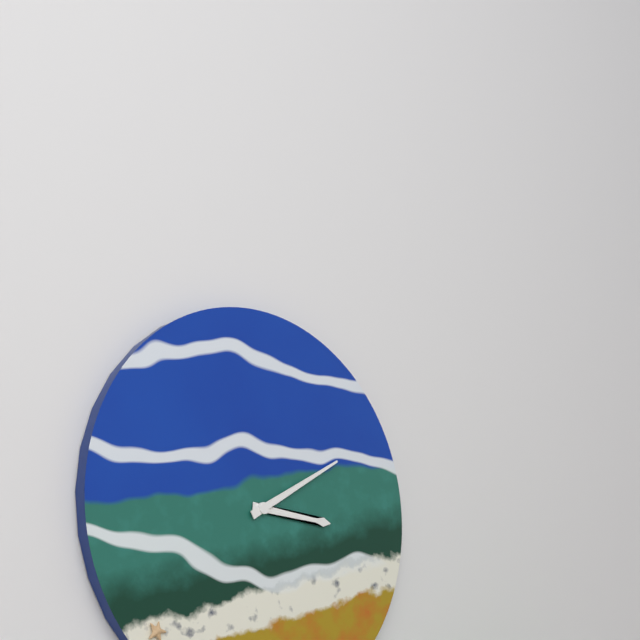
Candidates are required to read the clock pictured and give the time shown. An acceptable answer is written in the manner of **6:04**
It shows **3:10**
